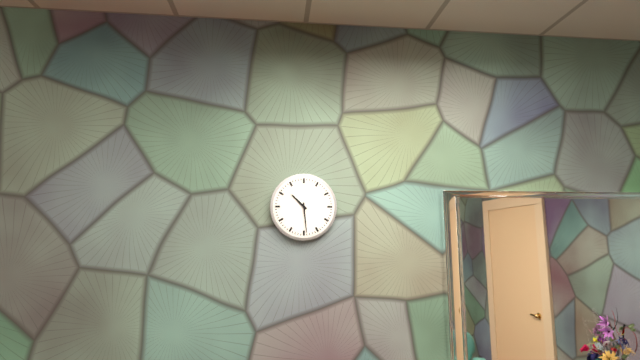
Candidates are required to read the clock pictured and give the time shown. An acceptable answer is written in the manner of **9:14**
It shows **10:29**
